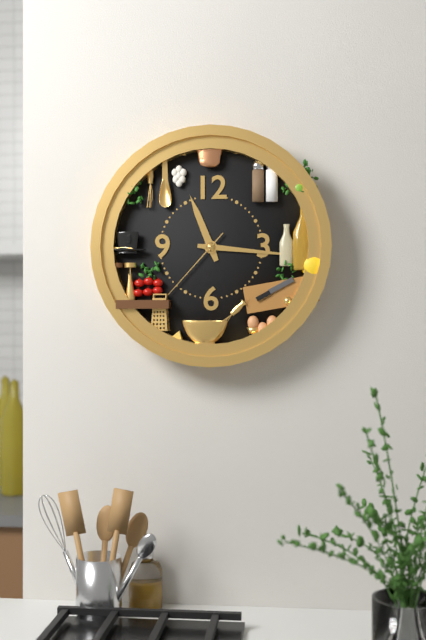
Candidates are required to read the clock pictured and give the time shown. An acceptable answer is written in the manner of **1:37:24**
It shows **11:16:37**
